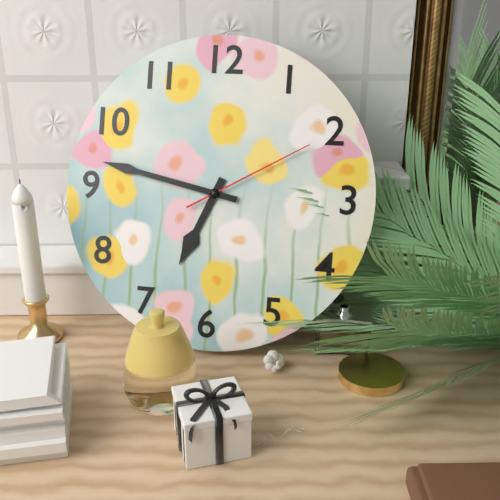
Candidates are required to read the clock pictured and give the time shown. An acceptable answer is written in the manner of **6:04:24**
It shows **6:47:10**
